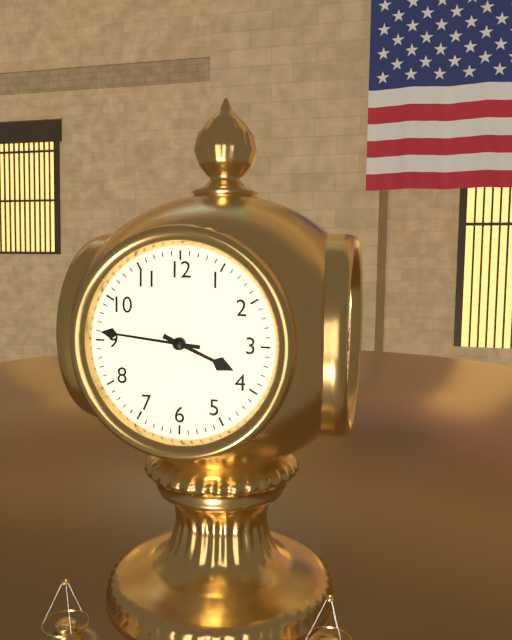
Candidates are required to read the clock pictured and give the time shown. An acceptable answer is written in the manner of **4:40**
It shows **3:46**
